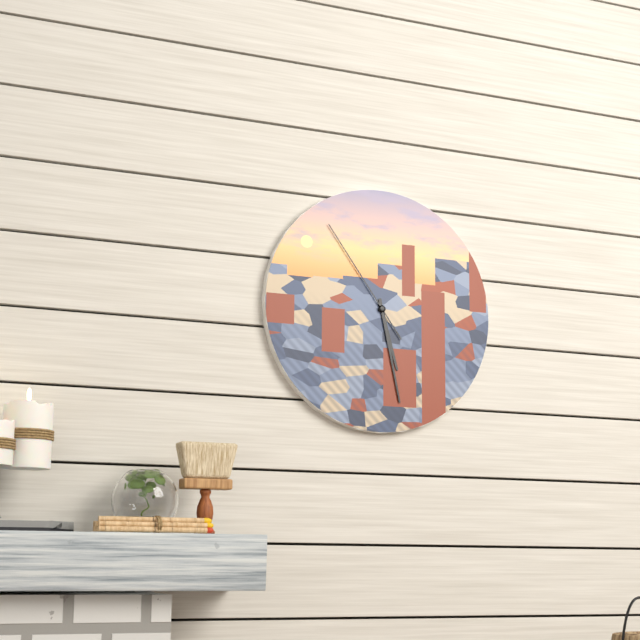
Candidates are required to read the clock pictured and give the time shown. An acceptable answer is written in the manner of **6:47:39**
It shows **5:28:54**
